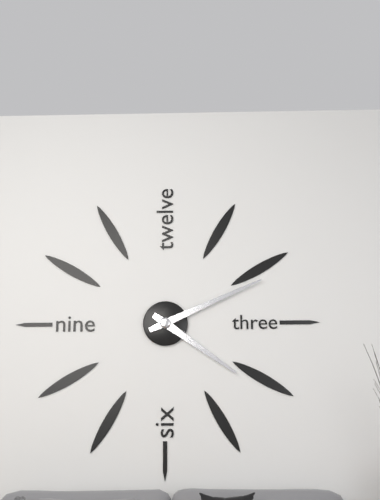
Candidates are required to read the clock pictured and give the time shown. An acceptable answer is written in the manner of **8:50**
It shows **4:11**
